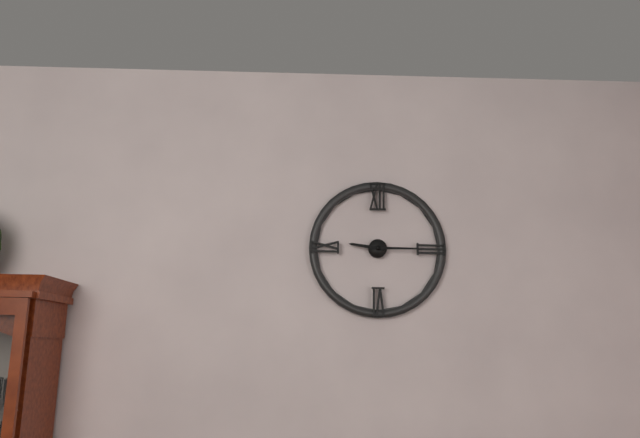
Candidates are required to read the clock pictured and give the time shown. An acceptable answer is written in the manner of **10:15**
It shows **9:15**
